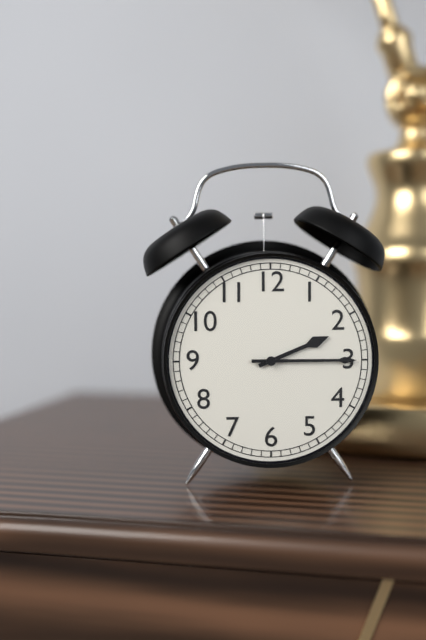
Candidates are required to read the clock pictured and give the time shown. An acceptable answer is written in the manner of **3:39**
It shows **2:15**
